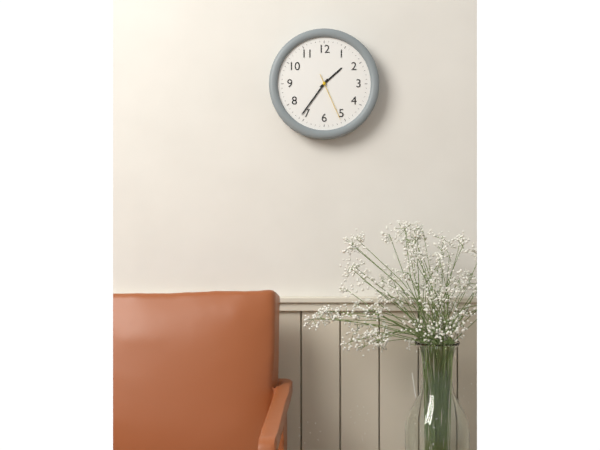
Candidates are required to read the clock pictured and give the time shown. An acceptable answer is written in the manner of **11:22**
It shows **1:36**
